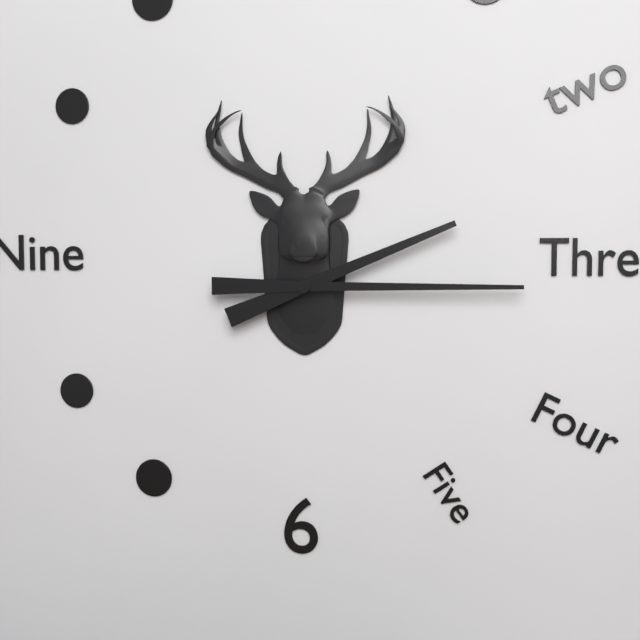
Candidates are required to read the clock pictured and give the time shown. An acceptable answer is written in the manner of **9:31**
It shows **2:15**
